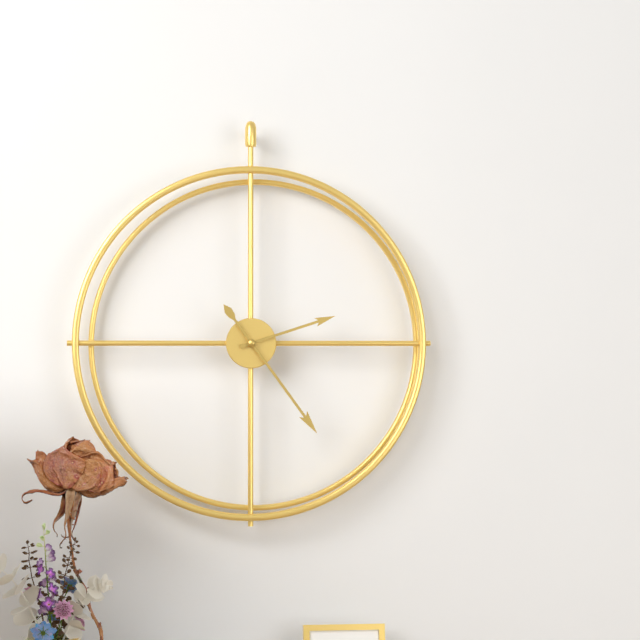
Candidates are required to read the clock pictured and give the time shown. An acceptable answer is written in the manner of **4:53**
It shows **2:24**
